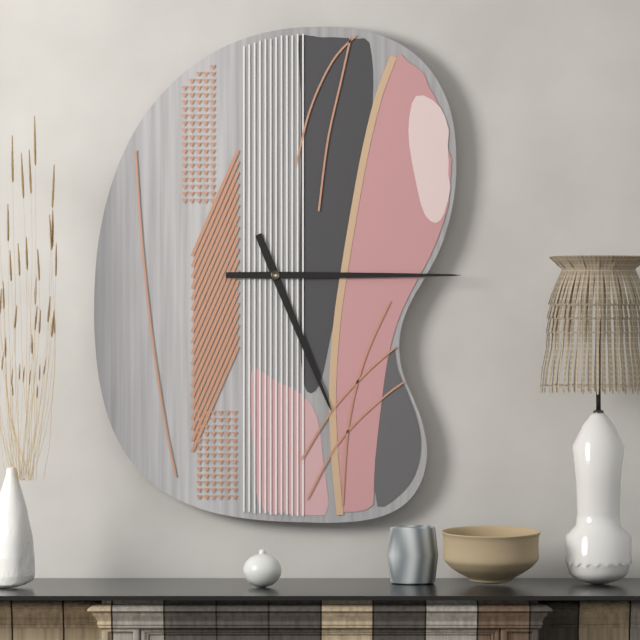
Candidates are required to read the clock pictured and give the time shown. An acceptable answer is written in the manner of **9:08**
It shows **5:15**
